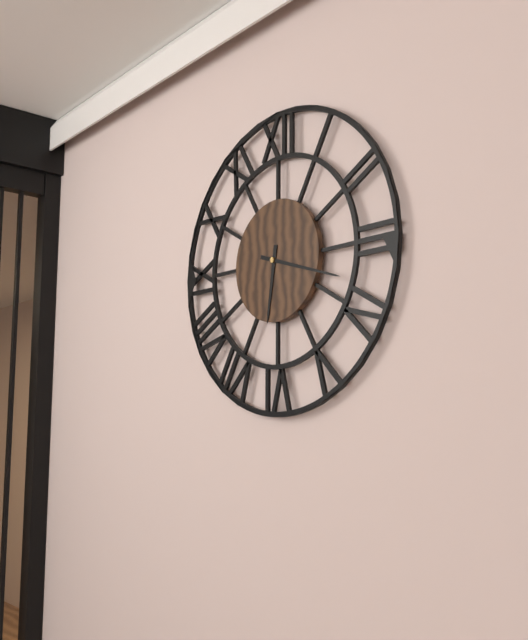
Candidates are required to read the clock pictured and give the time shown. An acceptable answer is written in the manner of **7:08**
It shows **6:18**
